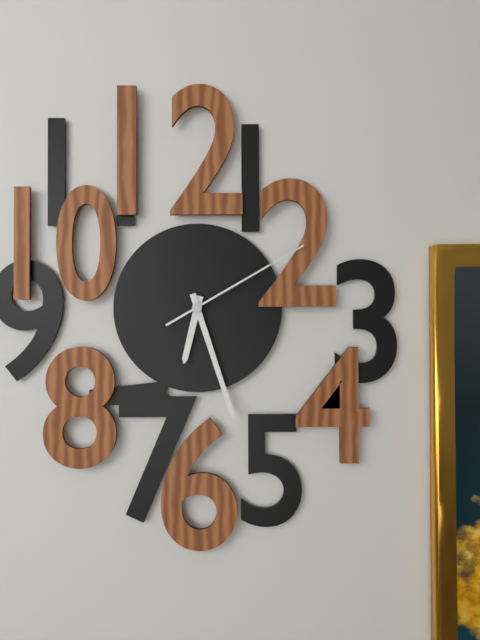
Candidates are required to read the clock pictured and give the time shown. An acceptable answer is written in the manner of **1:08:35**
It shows **6:27:10**
